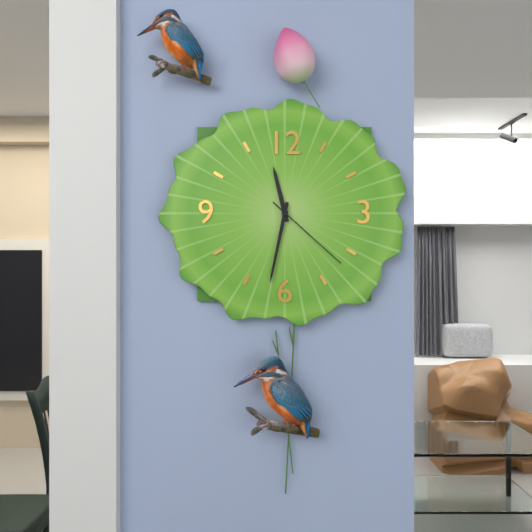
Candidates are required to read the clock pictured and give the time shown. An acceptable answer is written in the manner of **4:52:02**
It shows **11:32:22**
